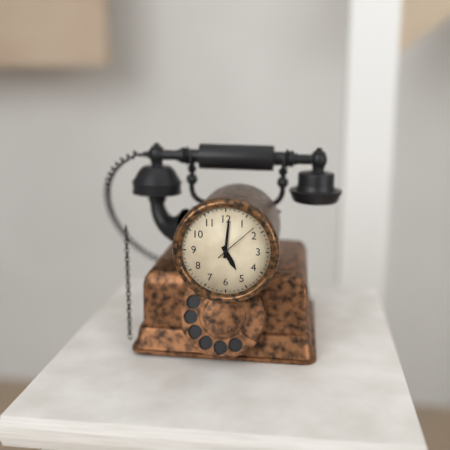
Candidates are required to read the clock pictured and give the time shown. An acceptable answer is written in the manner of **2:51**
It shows **5:01**
